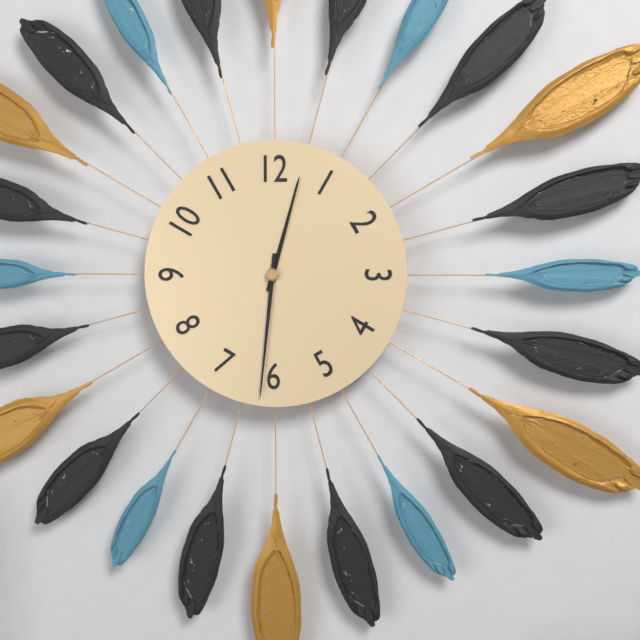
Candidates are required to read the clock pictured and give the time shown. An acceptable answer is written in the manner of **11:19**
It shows **12:31**
